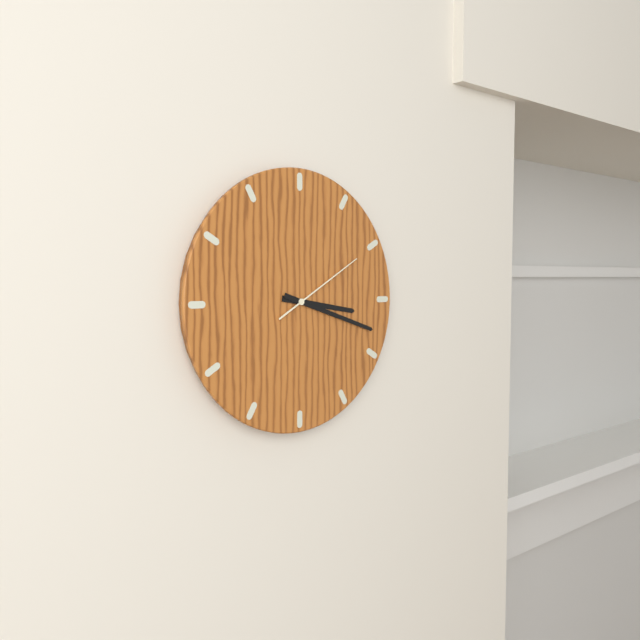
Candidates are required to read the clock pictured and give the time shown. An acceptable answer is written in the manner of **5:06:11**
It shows **3:18:10**
